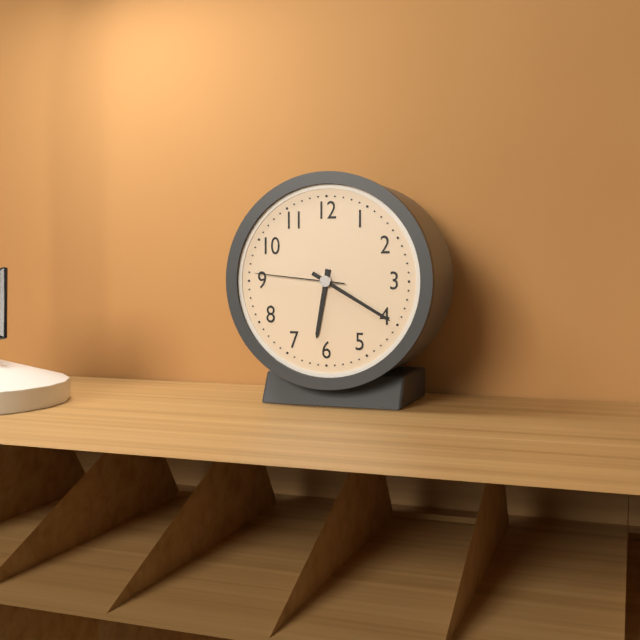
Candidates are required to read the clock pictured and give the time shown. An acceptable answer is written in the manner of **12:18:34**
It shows **6:20:46**
